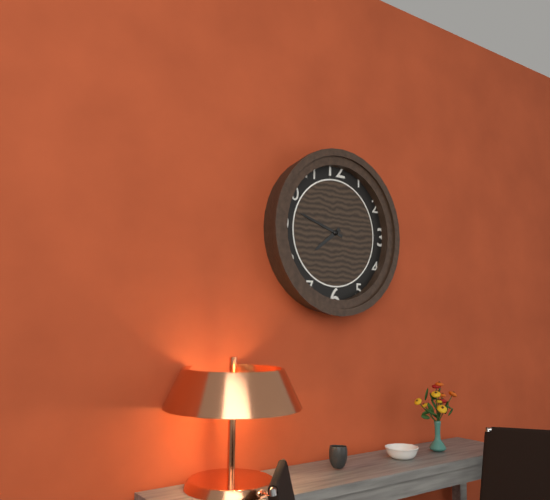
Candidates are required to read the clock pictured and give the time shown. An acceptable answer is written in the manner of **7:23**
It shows **7:48**
